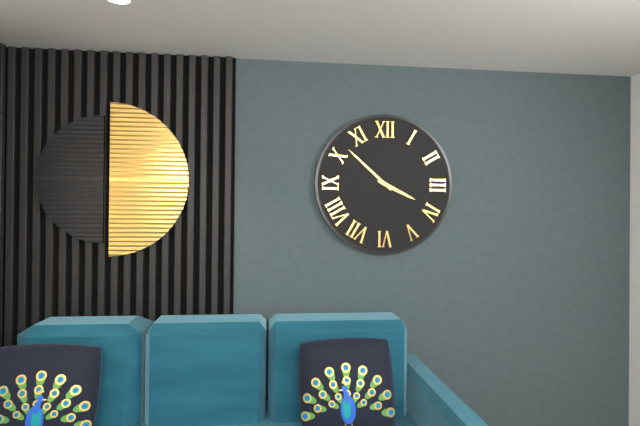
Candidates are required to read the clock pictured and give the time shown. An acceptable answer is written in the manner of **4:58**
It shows **3:52**
